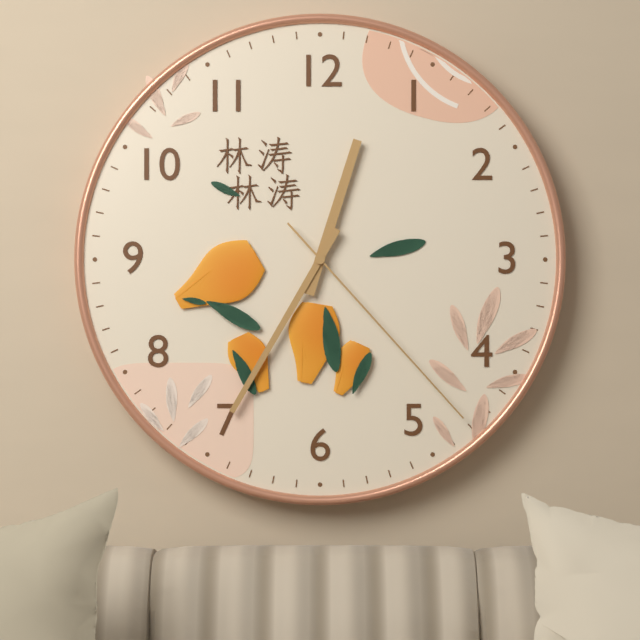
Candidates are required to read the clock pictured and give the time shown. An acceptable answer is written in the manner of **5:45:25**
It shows **12:35:23**
